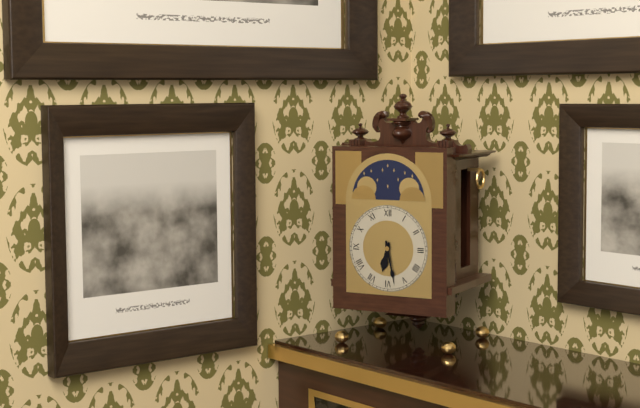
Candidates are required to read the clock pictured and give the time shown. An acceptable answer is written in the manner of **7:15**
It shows **6:28**
